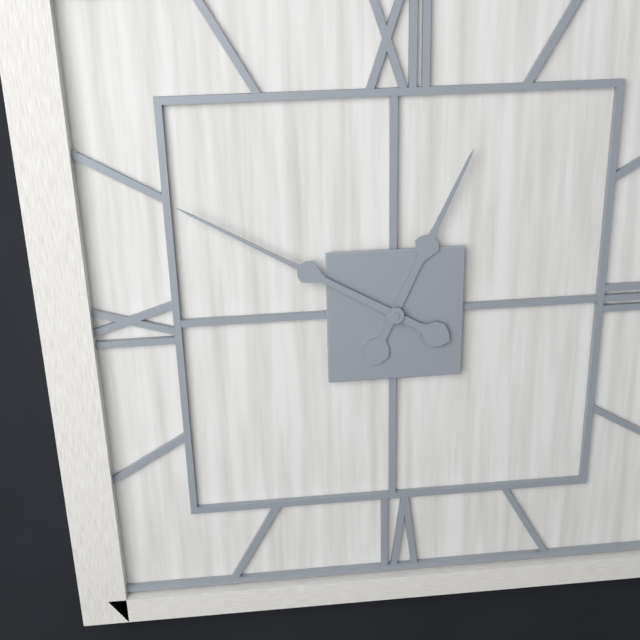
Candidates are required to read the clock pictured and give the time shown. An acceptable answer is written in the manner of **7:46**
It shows **12:50**
